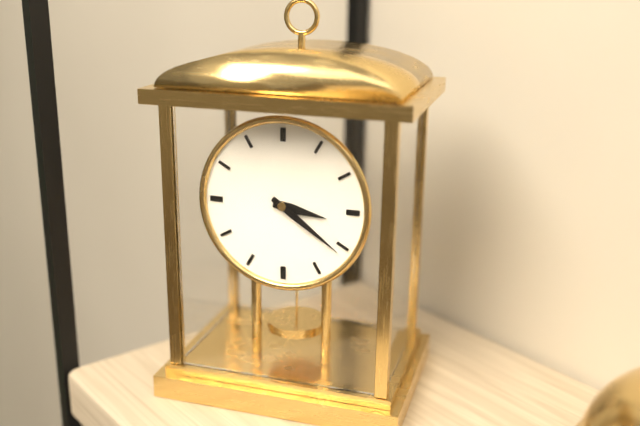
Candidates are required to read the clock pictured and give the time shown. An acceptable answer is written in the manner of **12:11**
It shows **3:21**
